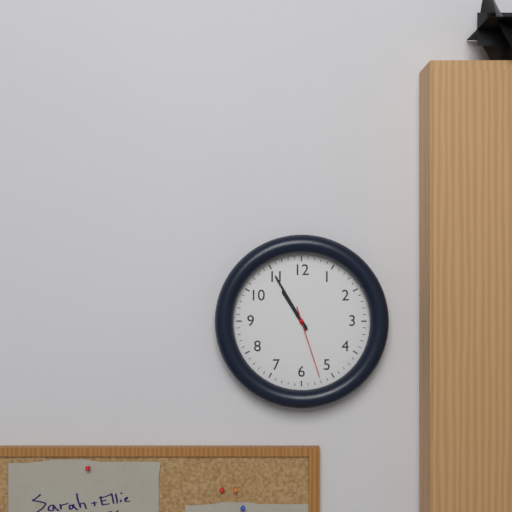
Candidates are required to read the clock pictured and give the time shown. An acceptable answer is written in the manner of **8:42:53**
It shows **10:55:27**
